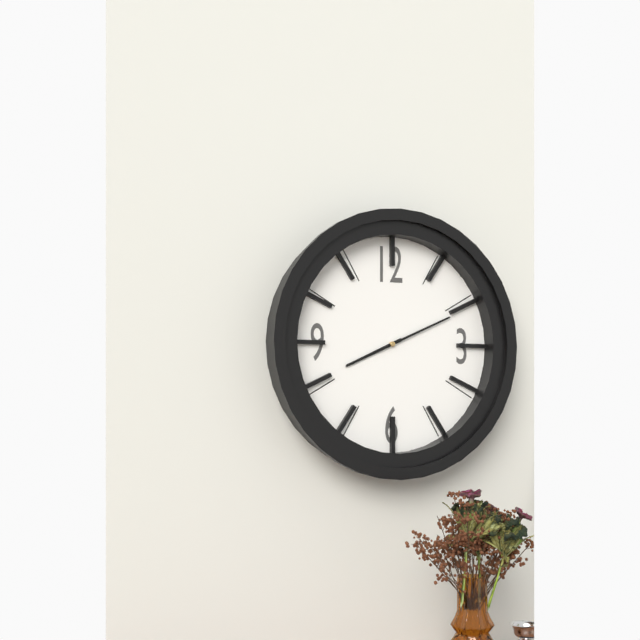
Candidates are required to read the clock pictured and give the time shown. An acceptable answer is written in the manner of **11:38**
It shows **8:11**
